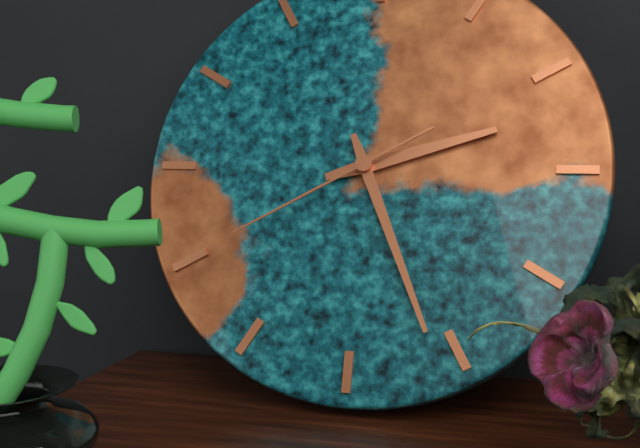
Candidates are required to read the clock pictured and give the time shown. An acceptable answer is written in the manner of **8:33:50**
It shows **2:26:40**
